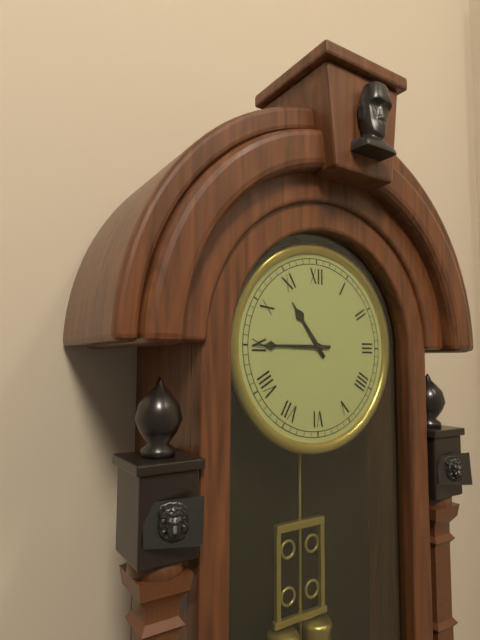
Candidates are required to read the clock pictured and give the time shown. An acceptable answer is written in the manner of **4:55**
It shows **10:45**
